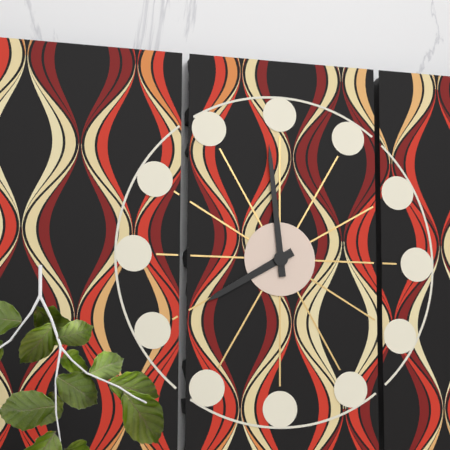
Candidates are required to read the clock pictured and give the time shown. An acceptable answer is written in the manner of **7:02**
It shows **7:59**
